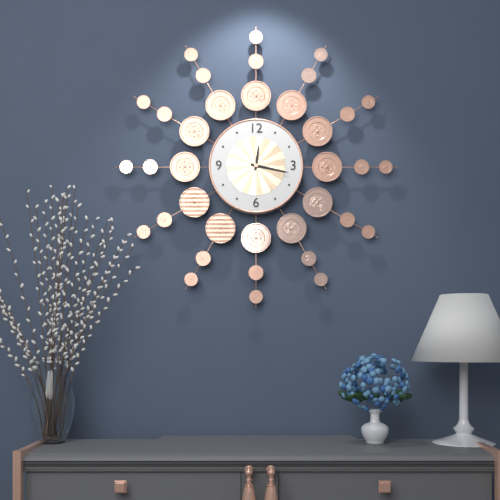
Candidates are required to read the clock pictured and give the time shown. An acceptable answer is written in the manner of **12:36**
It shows **12:17**
